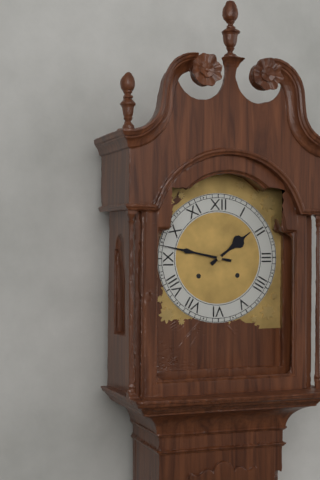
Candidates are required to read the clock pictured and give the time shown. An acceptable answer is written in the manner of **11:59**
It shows **1:47**
